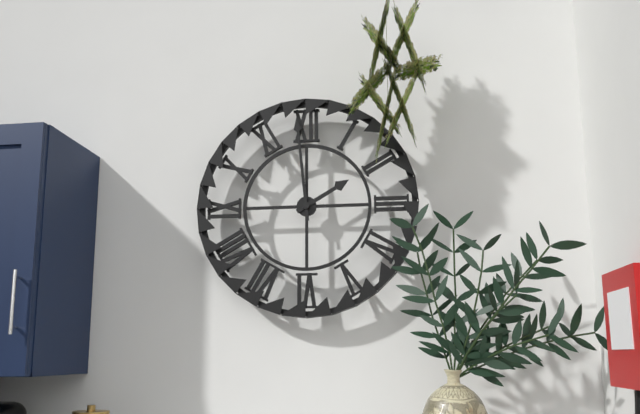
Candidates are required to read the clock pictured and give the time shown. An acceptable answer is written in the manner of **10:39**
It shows **1:59**
